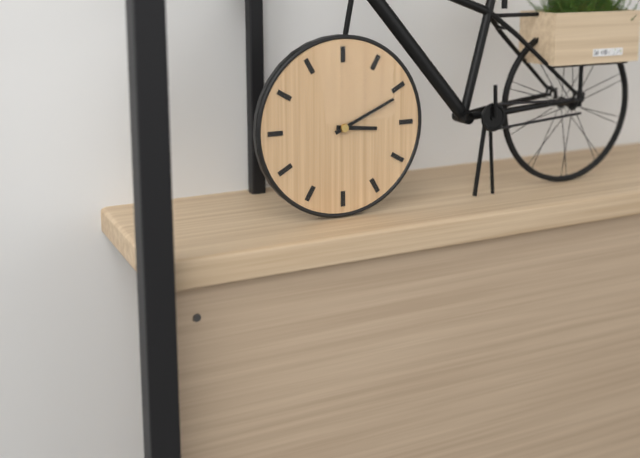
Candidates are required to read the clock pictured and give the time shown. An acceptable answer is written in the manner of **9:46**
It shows **3:11**
